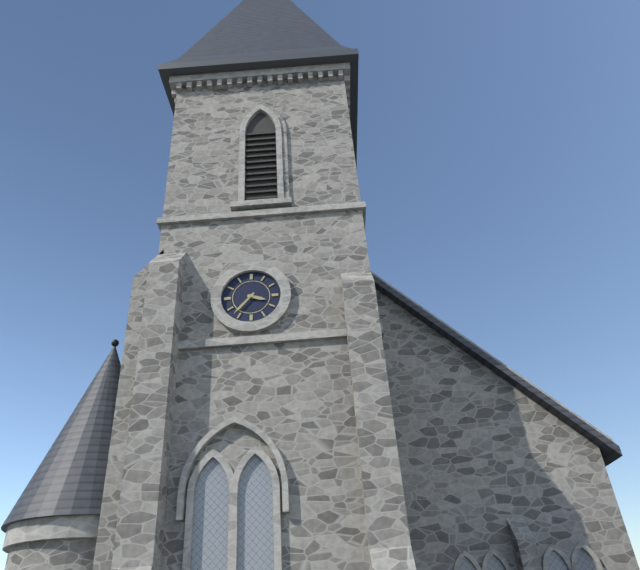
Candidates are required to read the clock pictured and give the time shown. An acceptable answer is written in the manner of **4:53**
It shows **3:37**
